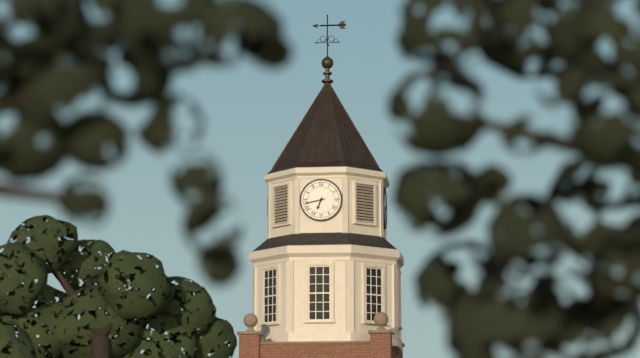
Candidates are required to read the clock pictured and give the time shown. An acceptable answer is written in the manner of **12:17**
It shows **6:43**
